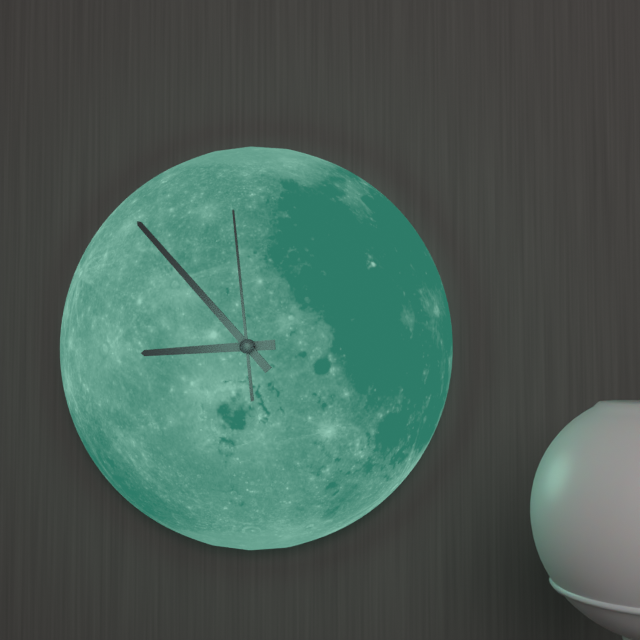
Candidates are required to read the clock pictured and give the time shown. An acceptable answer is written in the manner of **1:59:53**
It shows **8:53:59**
